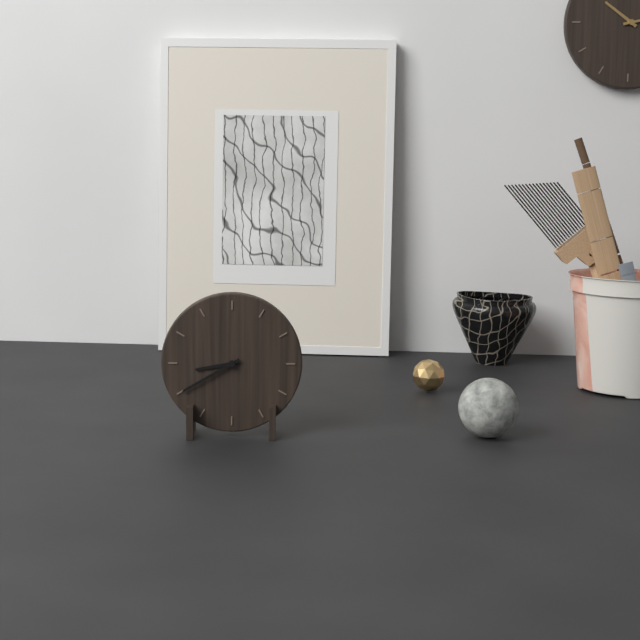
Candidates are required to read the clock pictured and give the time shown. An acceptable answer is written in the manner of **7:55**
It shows **8:40**
